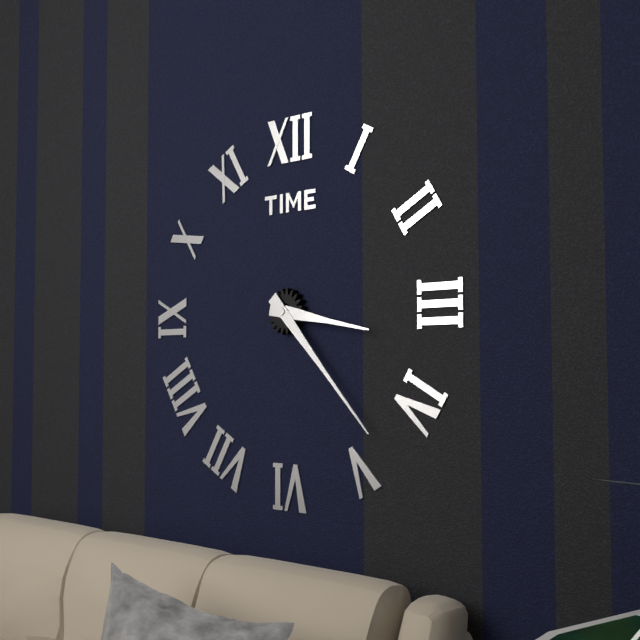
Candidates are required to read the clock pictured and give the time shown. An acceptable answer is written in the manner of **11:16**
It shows **3:23**
